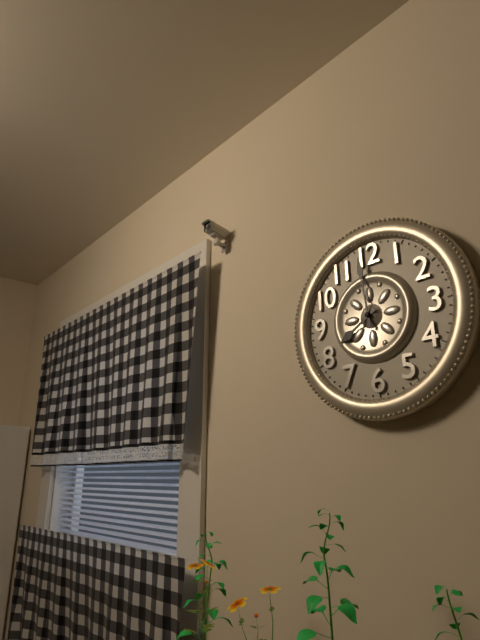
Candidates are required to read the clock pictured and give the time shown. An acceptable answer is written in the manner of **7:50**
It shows **7:59**
